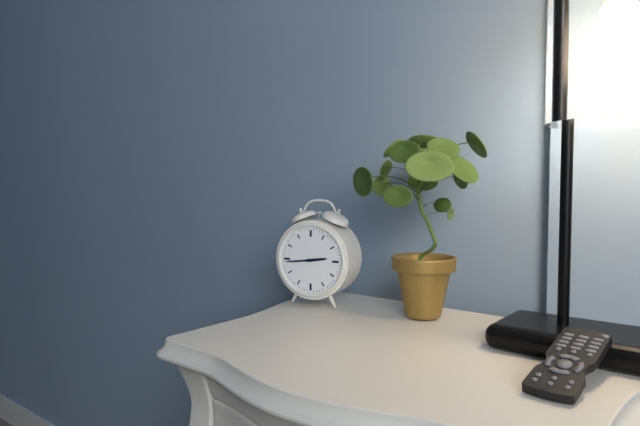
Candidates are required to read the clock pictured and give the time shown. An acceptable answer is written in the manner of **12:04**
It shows **2:44**
